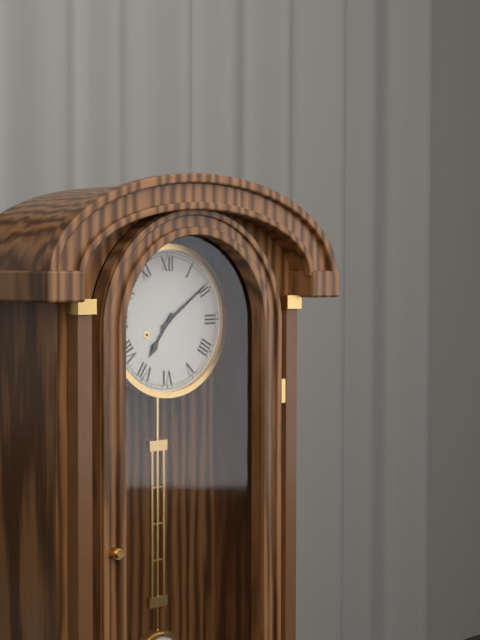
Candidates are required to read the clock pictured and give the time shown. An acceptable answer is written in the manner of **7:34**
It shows **7:09**
